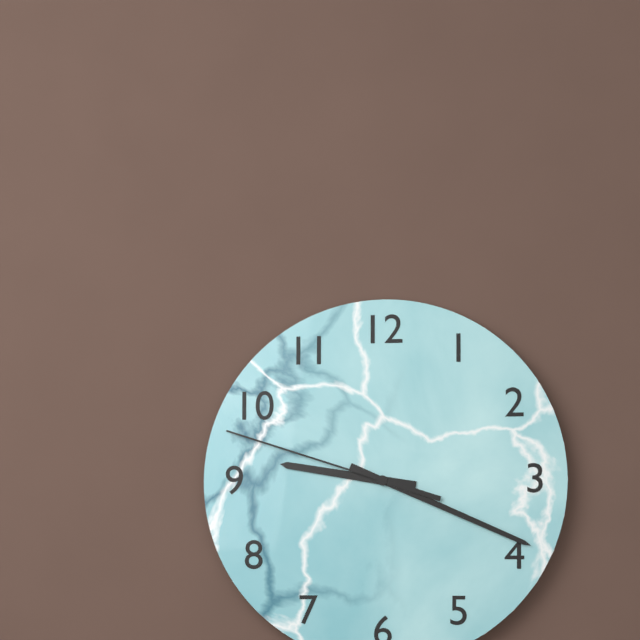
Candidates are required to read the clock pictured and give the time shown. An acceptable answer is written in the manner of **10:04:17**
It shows **9:19:48**
